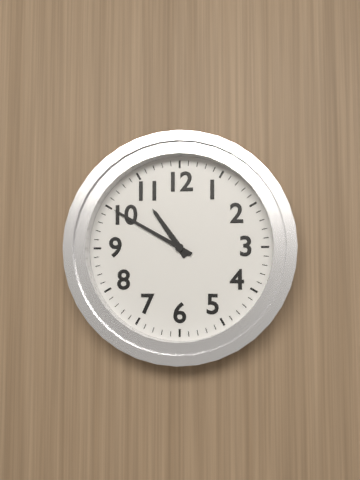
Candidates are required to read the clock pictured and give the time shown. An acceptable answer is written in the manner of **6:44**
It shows **10:50**
